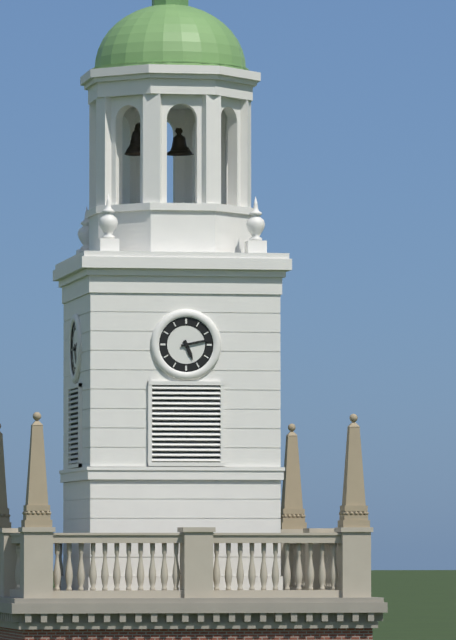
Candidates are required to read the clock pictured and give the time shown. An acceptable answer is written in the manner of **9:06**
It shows **5:13**
